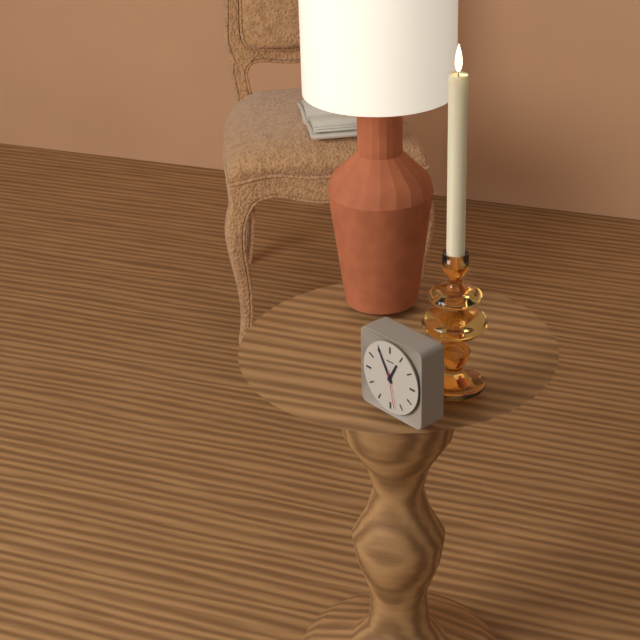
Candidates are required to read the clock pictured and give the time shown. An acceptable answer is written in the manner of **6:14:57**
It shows **12:55:28**
